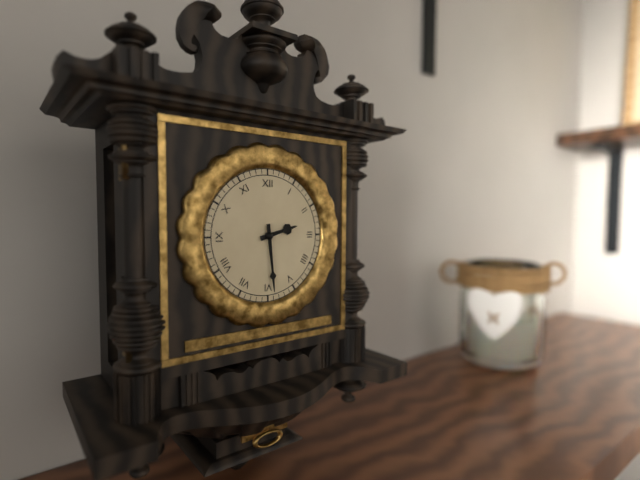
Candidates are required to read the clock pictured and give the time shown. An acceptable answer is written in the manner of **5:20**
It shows **2:29**
